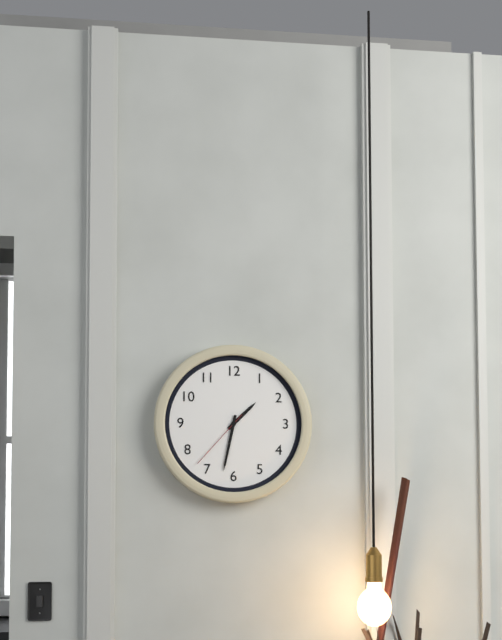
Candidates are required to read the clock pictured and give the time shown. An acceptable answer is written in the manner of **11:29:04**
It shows **1:32:37**
